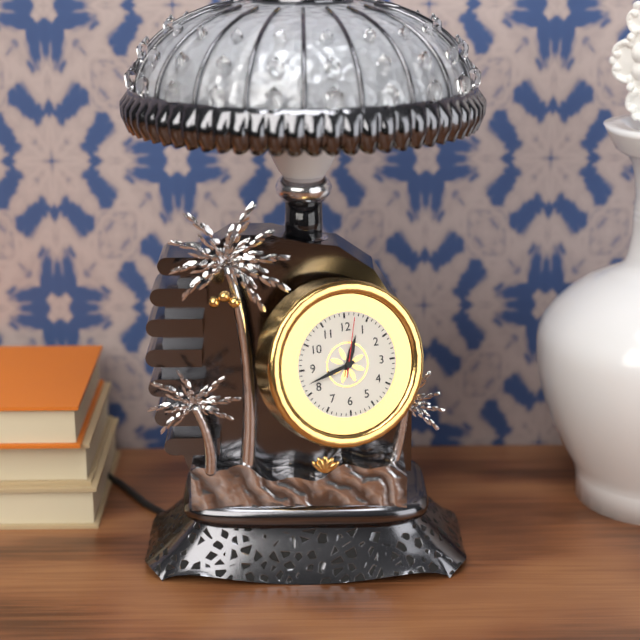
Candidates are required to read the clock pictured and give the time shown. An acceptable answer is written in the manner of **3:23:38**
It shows **12:42:02**
